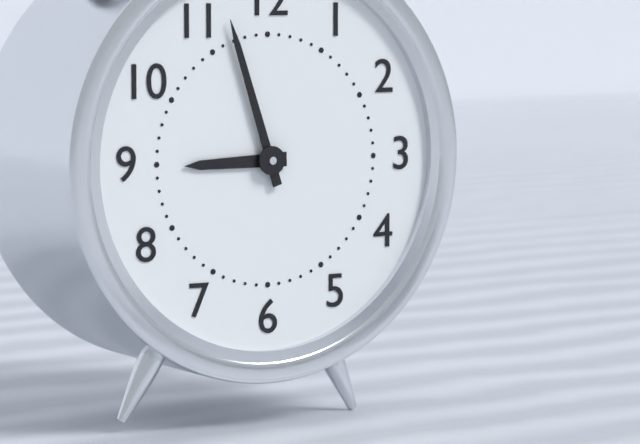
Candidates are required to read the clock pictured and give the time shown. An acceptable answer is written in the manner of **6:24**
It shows **8:57**
